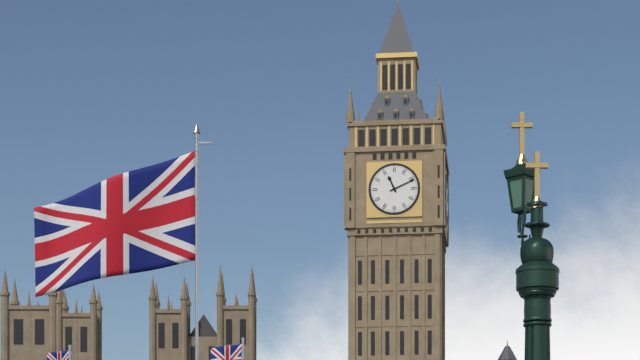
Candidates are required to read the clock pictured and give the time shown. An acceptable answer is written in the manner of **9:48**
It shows **11:11**
